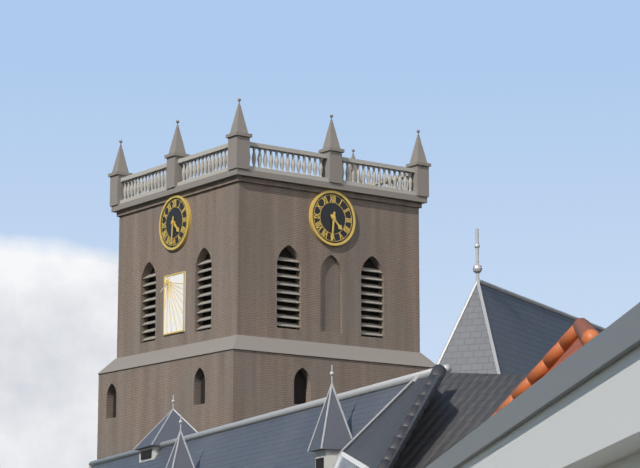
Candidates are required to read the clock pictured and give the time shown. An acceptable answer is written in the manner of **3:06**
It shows **4:31**
